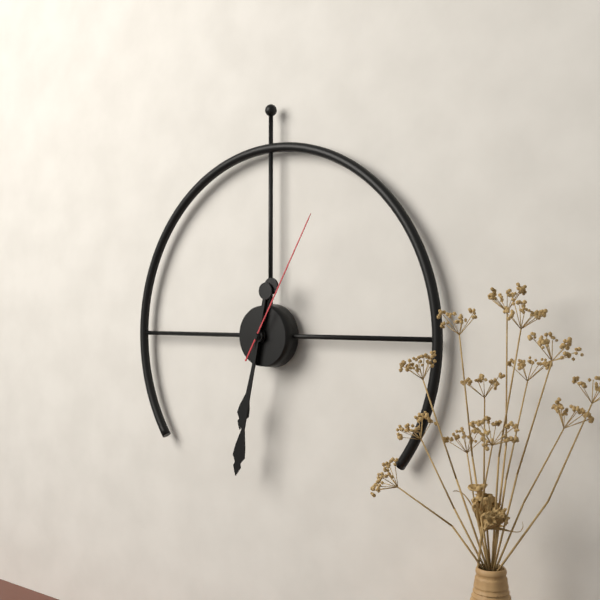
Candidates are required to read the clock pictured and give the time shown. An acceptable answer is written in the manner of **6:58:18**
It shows **6:32:05**
